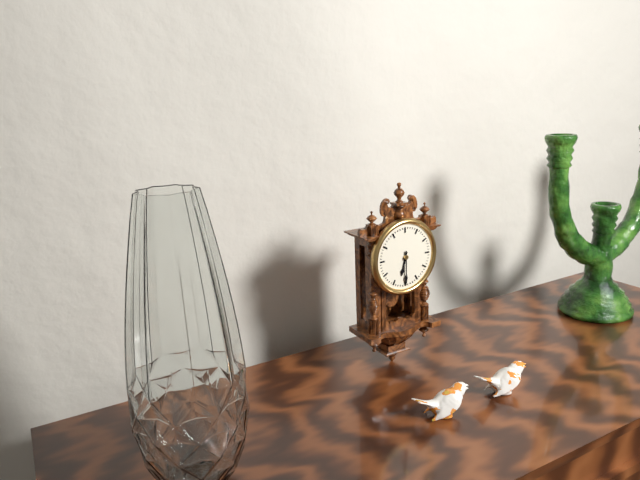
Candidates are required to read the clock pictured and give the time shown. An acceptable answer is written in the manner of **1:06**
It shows **6:30**
